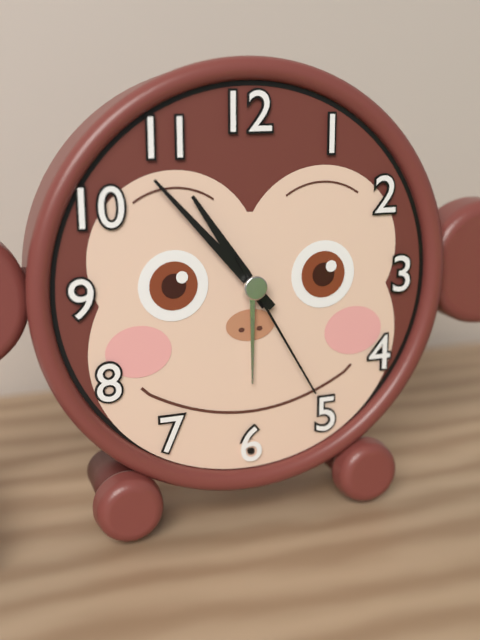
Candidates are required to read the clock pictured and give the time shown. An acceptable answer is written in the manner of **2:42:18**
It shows **10:53:25**
